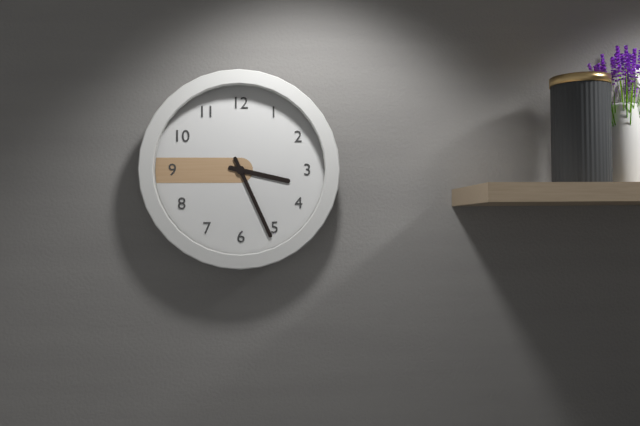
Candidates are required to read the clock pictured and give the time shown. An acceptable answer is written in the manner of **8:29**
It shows **3:26**
